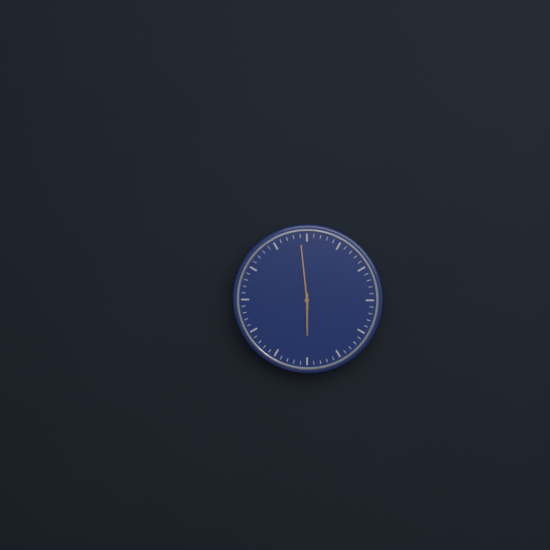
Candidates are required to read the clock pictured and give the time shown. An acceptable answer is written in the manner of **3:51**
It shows **5:59**
